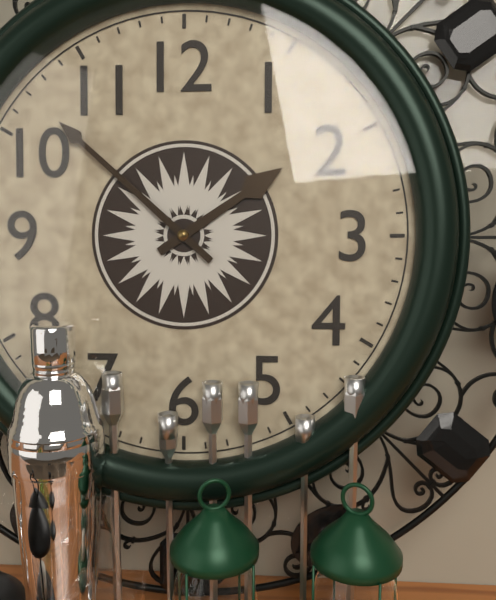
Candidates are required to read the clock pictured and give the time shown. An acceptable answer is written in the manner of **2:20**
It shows **1:52**
